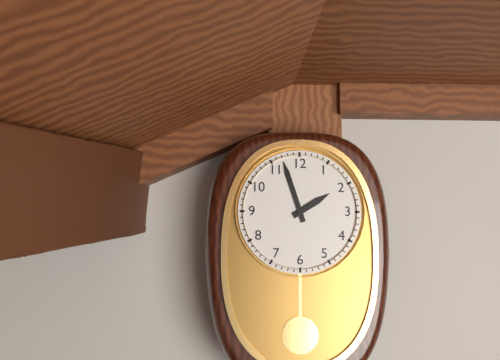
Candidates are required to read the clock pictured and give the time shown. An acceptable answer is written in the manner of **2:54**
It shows **1:57**
